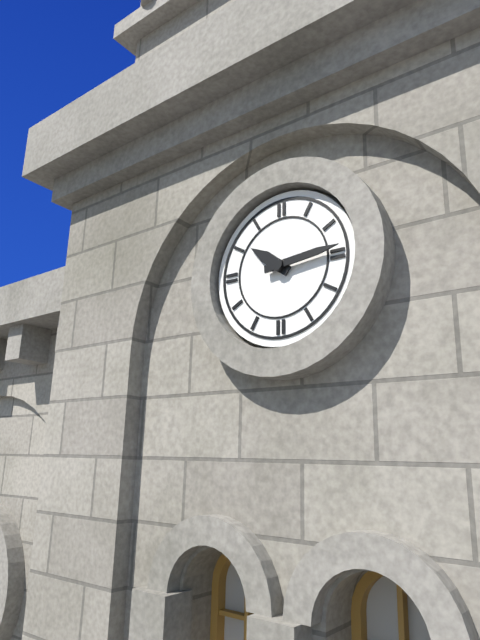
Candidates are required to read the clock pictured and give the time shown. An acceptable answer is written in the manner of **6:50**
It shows **10:14**
